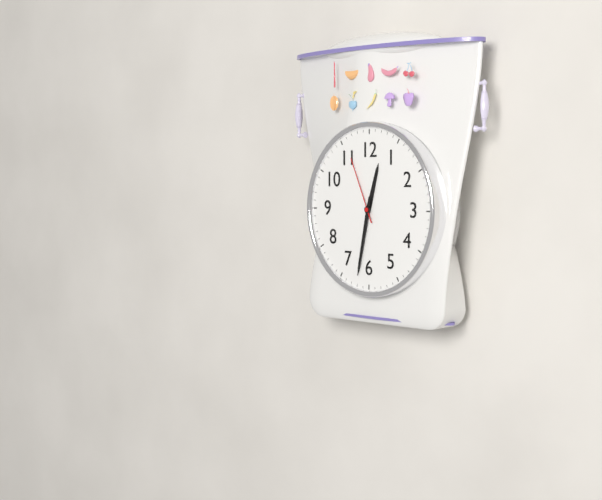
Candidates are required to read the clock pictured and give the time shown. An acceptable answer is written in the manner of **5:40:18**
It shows **12:32:56**
